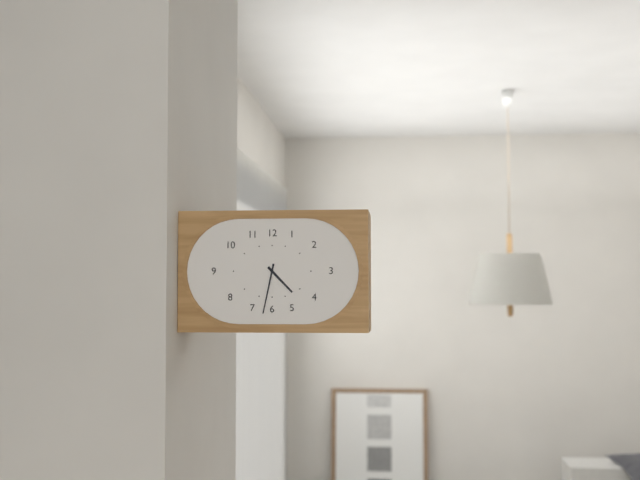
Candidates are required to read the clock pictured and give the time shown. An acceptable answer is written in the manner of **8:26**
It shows **4:32**
